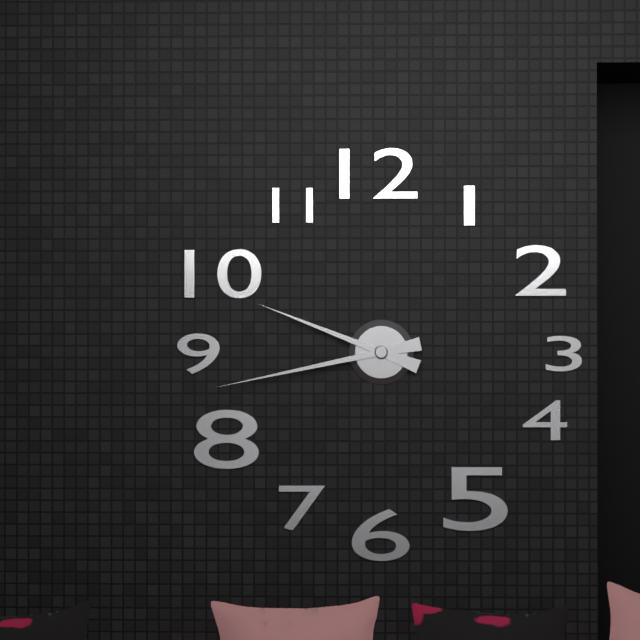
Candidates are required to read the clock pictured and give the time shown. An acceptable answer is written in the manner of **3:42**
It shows **9:43**
